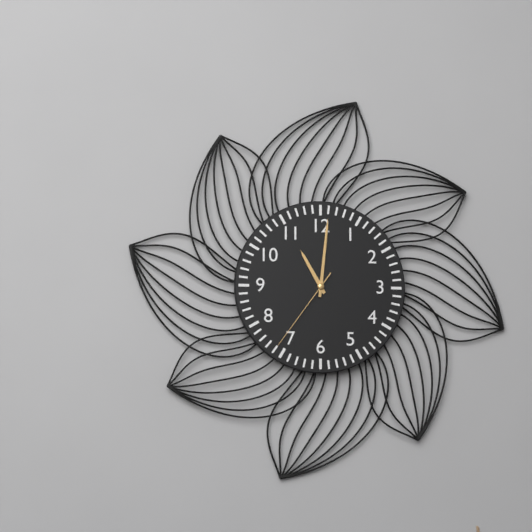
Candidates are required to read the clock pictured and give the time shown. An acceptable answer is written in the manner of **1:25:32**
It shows **11:01:36**
